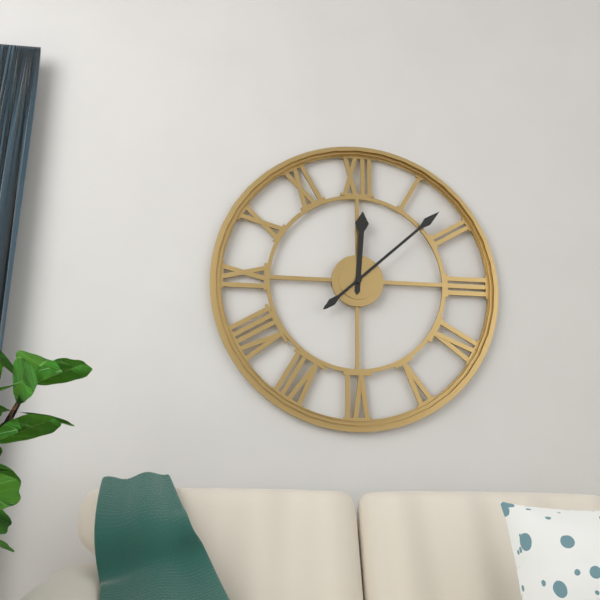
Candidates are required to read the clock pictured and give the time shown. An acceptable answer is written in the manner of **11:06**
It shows **12:08**
